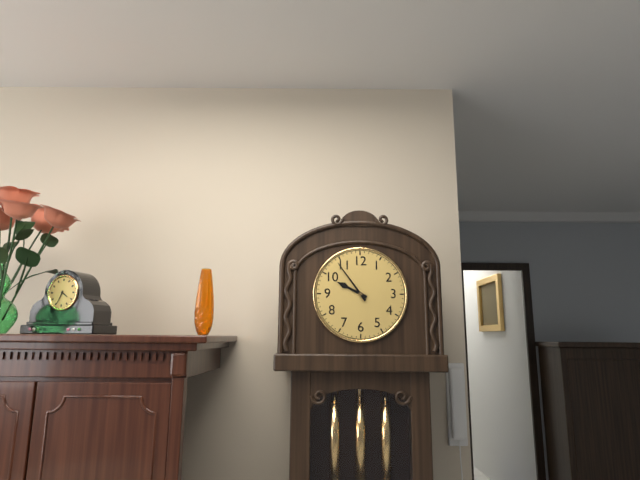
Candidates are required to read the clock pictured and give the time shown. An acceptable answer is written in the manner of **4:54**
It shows **9:54**
